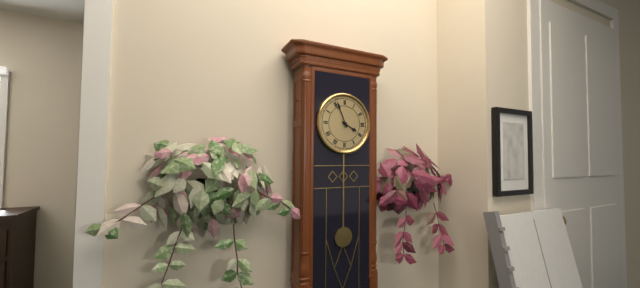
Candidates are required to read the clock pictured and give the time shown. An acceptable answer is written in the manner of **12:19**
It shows **3:56**
